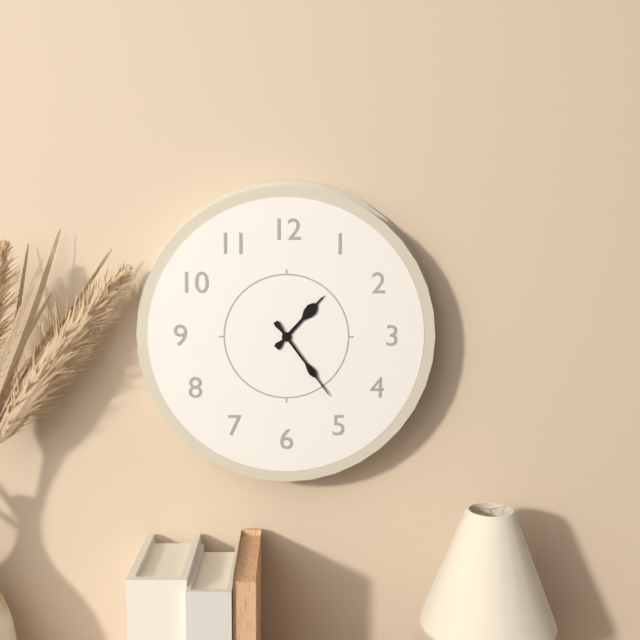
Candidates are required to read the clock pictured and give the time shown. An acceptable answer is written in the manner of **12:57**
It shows **1:24**
